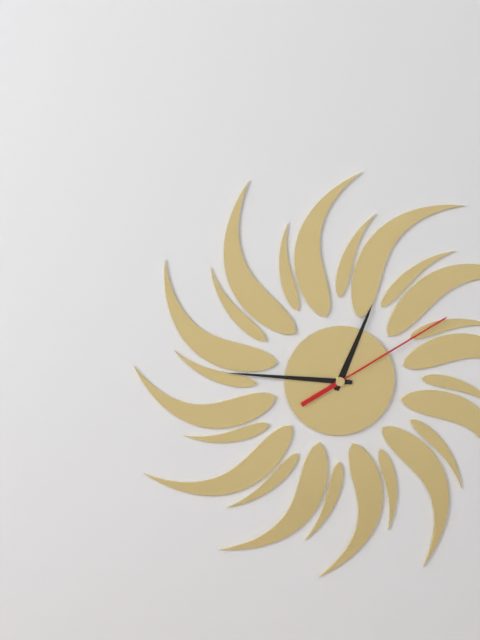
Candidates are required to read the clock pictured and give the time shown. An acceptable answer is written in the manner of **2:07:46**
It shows **12:46:10**
